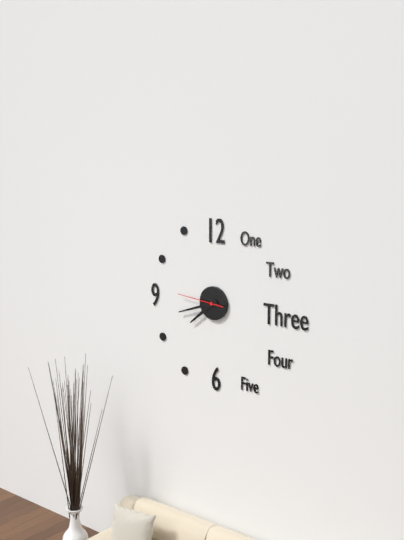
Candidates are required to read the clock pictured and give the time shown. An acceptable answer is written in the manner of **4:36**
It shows **7:42**
